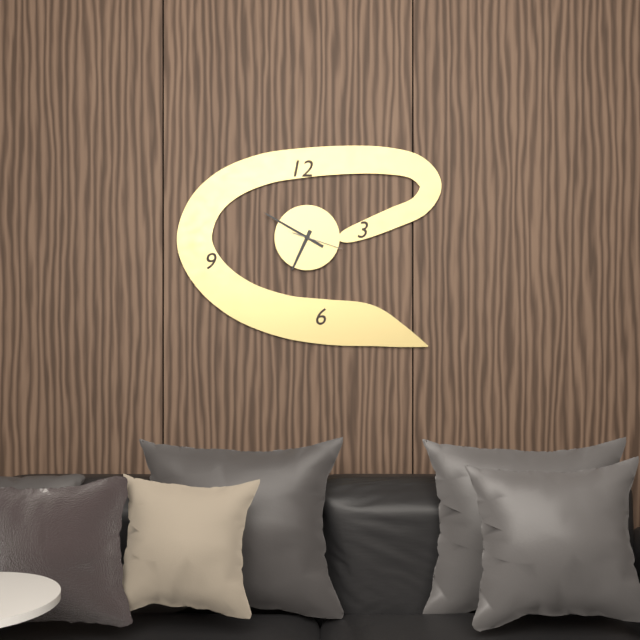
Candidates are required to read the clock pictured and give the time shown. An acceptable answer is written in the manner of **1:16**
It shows **6:50**
